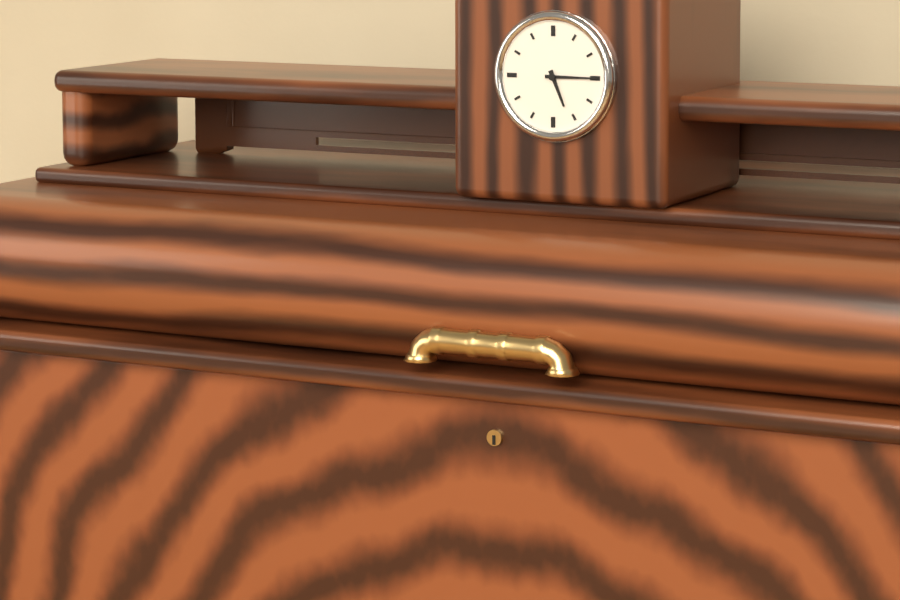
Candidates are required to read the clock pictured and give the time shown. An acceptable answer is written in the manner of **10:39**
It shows **5:15**
